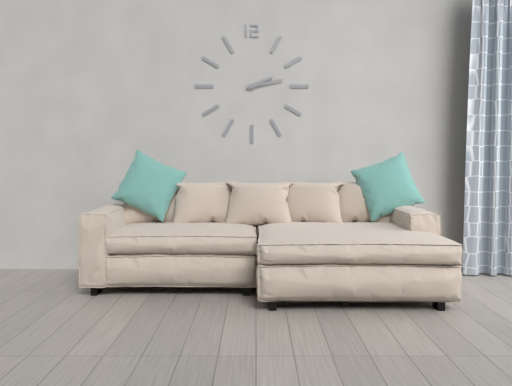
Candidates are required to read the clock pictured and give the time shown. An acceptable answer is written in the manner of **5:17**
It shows **2:13**
